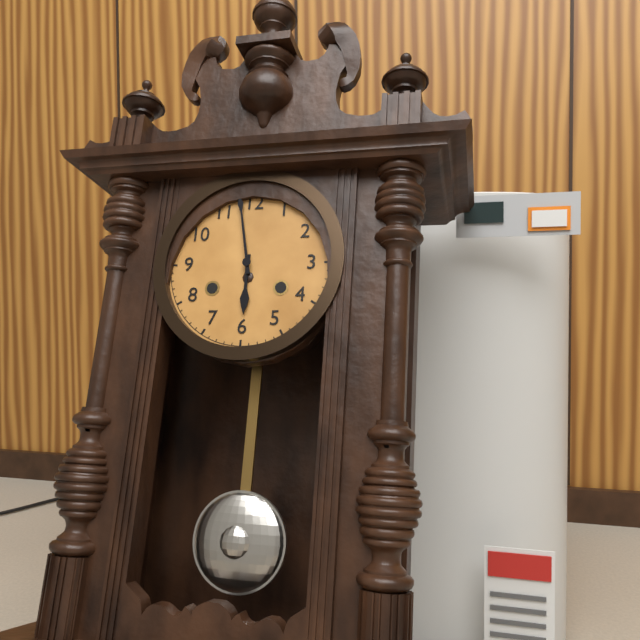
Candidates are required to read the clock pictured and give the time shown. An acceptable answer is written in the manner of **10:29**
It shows **5:58**
